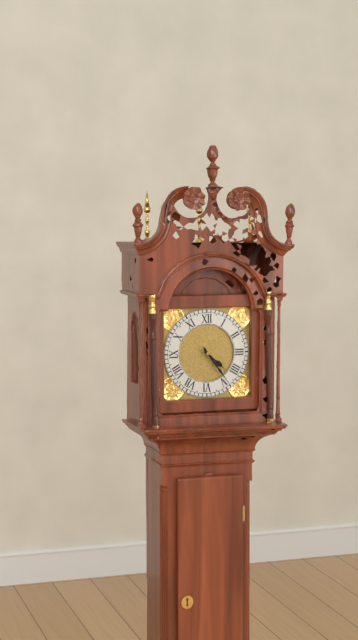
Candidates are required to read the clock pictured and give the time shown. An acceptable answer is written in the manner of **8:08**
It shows **4:24**
